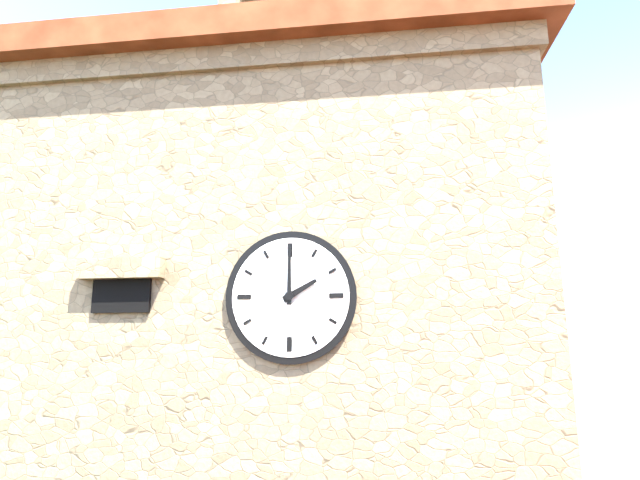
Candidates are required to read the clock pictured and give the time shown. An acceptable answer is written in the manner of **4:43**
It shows **2:00**
